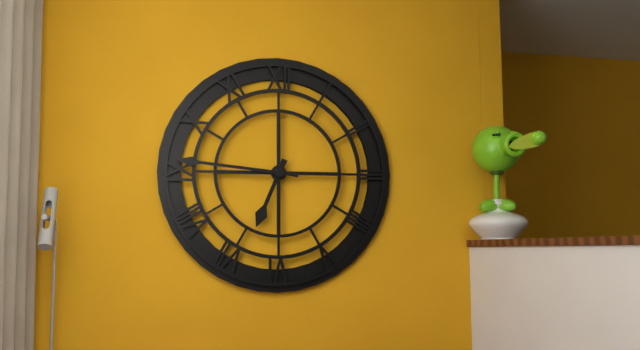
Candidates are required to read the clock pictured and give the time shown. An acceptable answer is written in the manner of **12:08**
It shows **6:46**
